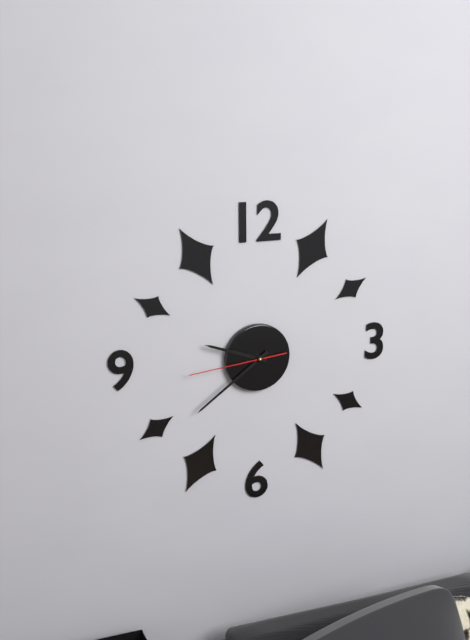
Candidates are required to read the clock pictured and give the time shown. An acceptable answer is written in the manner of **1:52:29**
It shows **9:39:44**
